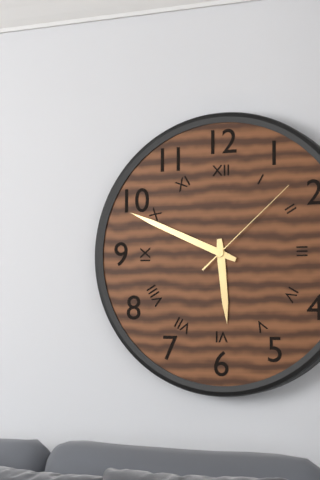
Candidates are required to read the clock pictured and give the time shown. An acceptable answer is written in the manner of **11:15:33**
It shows **5:49:08**
